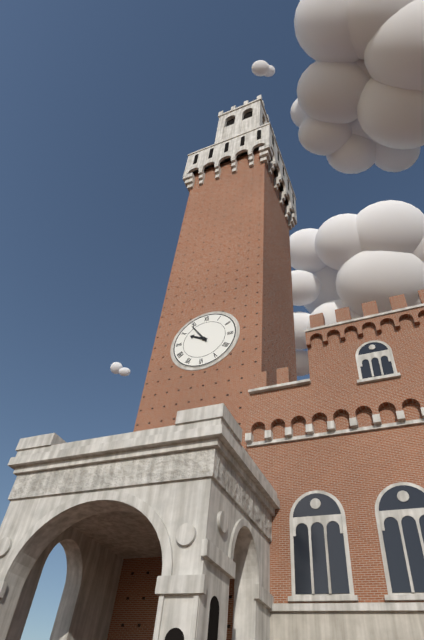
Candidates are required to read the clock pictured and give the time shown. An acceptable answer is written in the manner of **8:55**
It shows **9:54**
